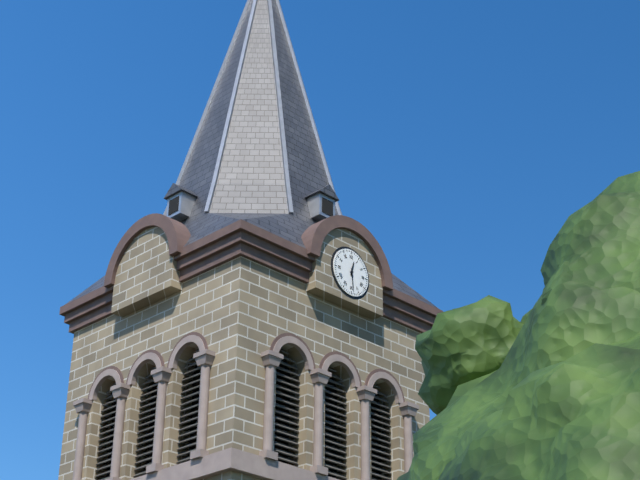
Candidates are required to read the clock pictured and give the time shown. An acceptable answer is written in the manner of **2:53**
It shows **12:29**
